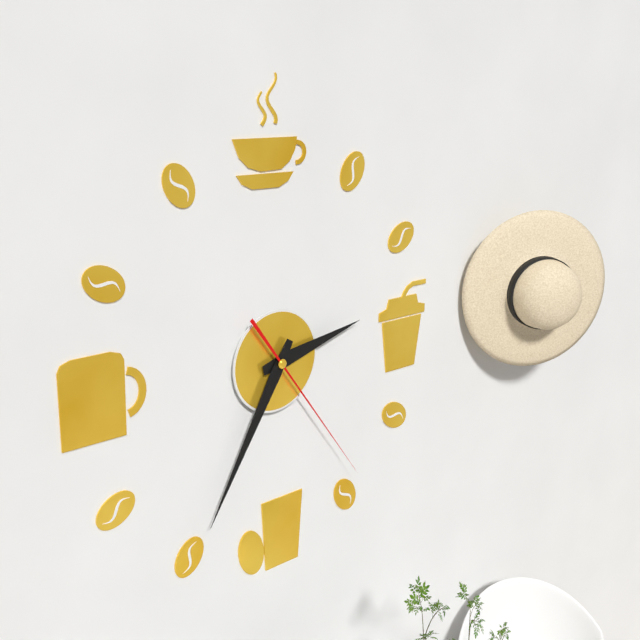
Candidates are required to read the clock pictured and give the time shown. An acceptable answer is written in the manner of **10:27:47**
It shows **2:35:24**
